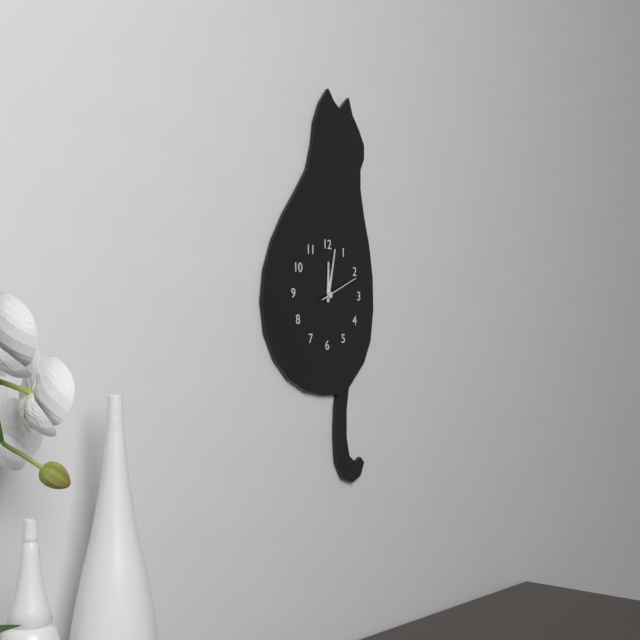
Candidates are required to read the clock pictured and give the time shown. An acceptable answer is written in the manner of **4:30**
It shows **12:02**
